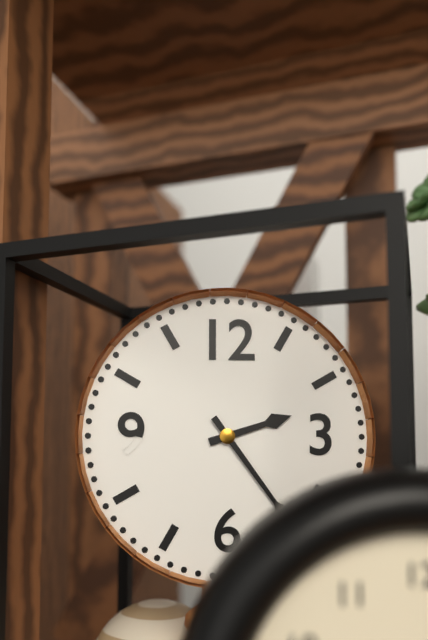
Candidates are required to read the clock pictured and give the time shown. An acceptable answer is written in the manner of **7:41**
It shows **2:24**
